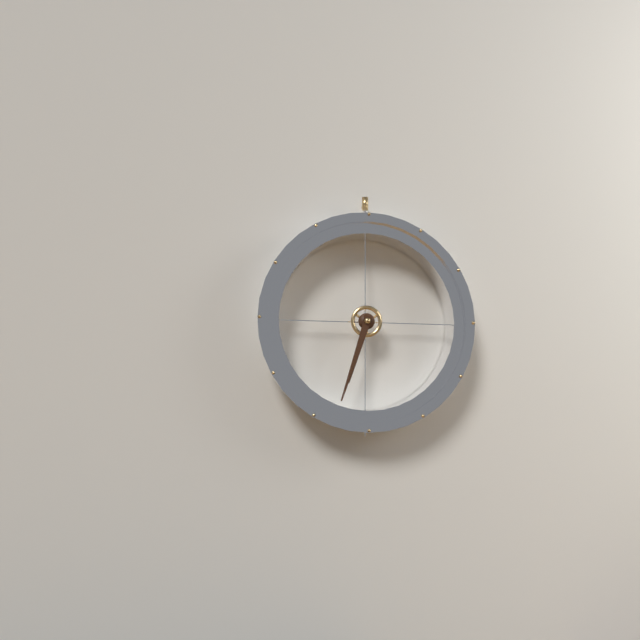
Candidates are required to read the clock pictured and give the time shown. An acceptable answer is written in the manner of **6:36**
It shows **6:33**
